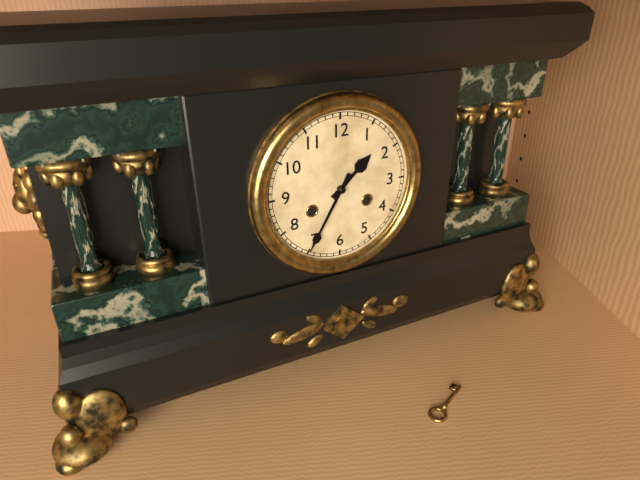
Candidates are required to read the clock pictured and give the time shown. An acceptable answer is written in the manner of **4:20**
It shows **1:35**
